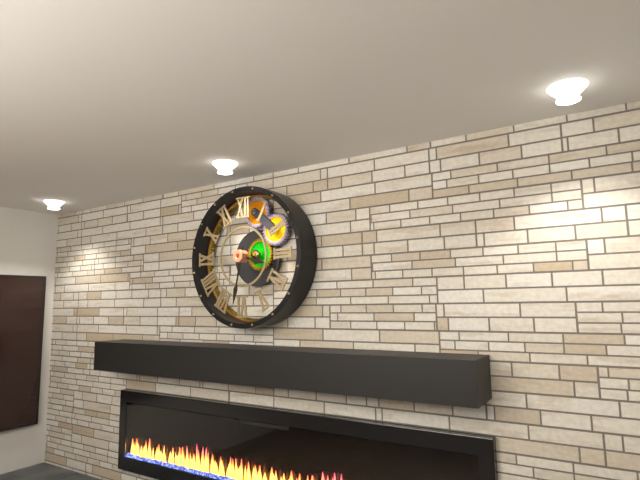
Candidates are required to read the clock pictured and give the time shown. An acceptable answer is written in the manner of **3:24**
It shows **3:32**
